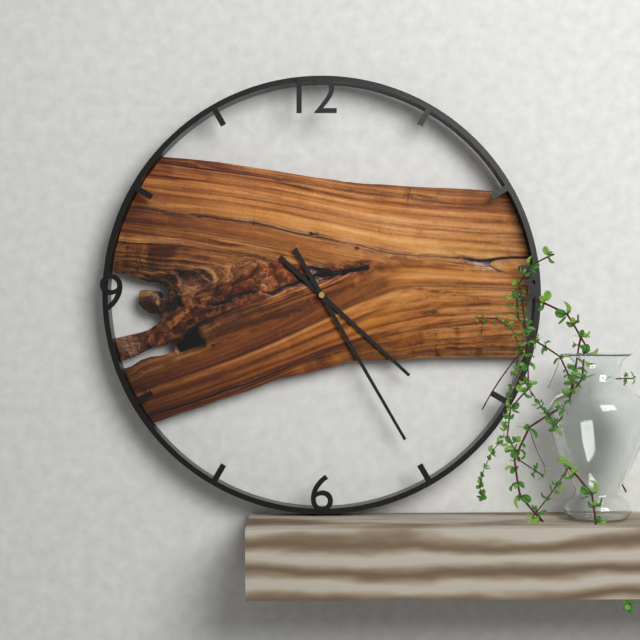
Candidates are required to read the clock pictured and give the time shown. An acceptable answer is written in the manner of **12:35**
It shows **4:25**
